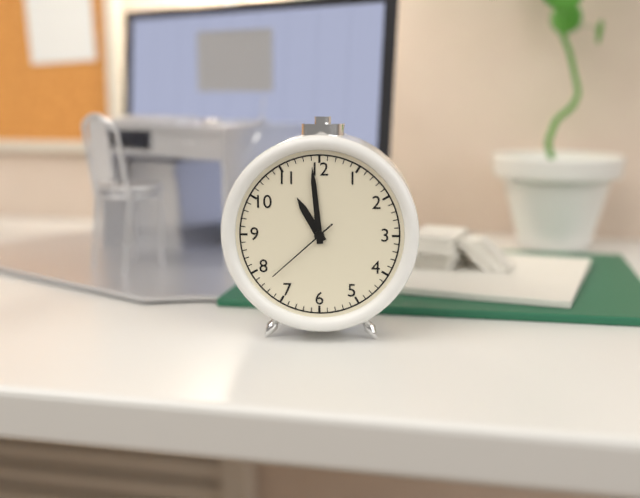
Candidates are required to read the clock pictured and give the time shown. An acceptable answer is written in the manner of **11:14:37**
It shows **10:59:38**
